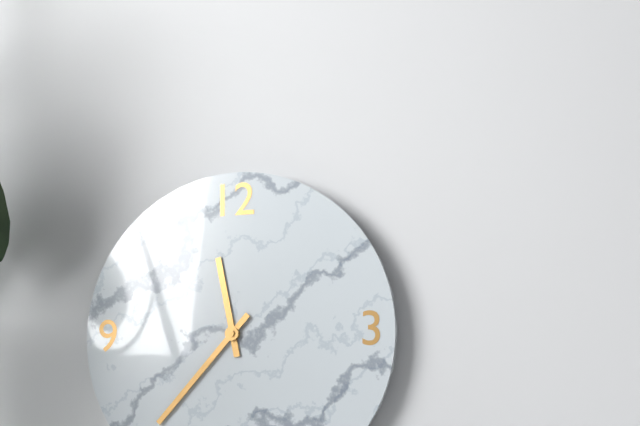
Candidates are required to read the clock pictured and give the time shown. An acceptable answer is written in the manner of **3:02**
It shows **11:37**
